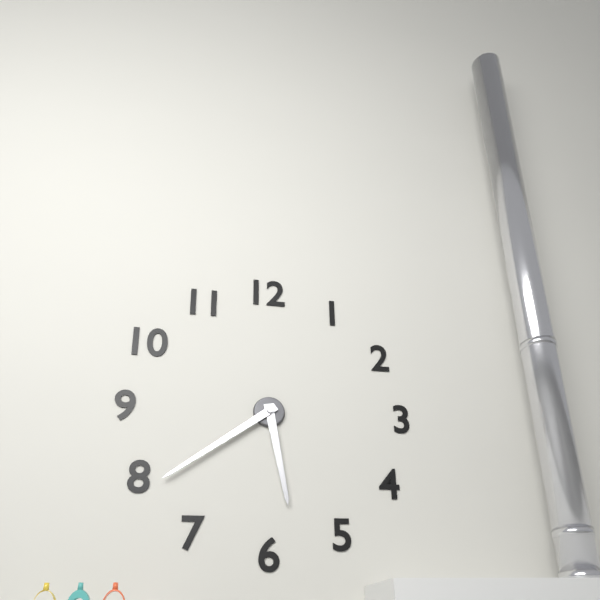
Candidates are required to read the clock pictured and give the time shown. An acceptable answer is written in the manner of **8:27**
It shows **5:39**
